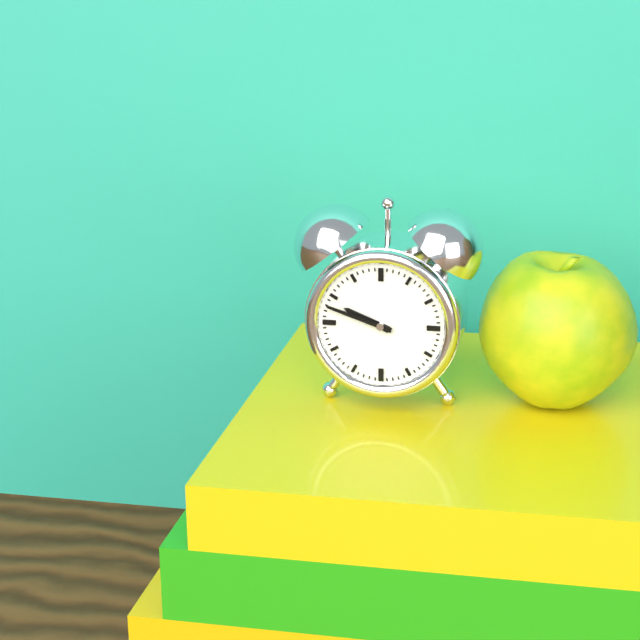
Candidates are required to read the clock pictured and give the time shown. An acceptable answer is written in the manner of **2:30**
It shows **9:48**
